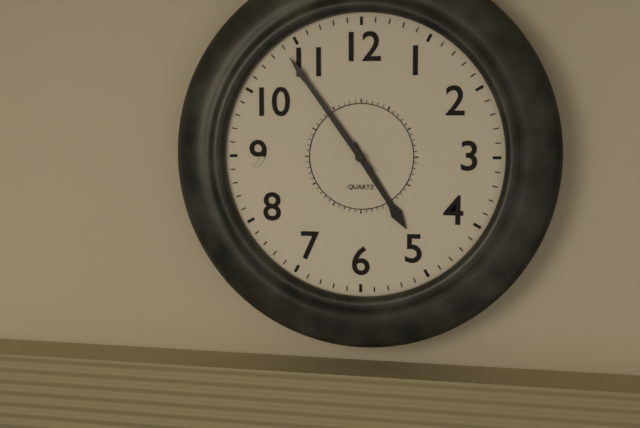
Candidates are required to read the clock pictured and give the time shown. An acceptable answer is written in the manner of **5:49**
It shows **4:54**
